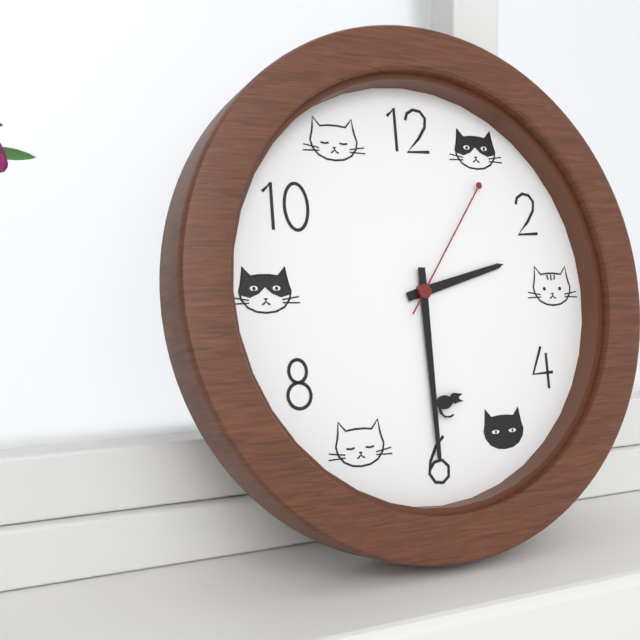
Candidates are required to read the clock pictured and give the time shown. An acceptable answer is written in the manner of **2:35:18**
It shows **2:30:06**
